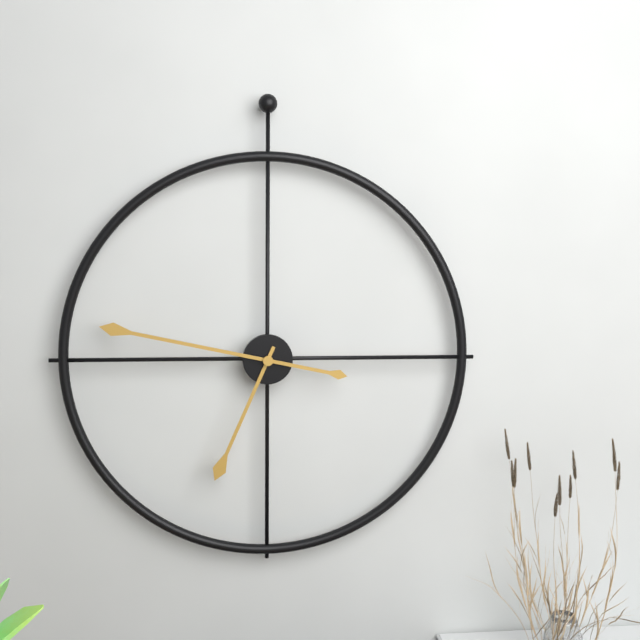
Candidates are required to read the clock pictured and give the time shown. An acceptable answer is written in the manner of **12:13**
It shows **6:47**
